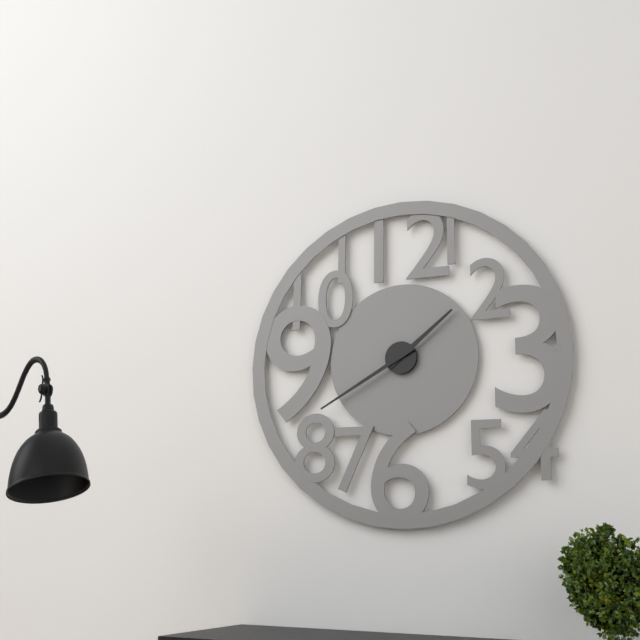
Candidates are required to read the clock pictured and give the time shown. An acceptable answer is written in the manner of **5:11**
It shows **1:40**
